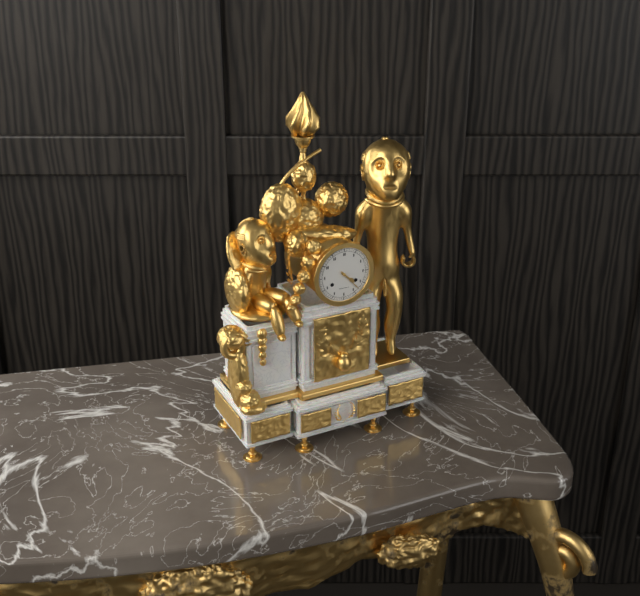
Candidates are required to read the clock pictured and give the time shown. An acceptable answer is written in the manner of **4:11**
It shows **4:23**
